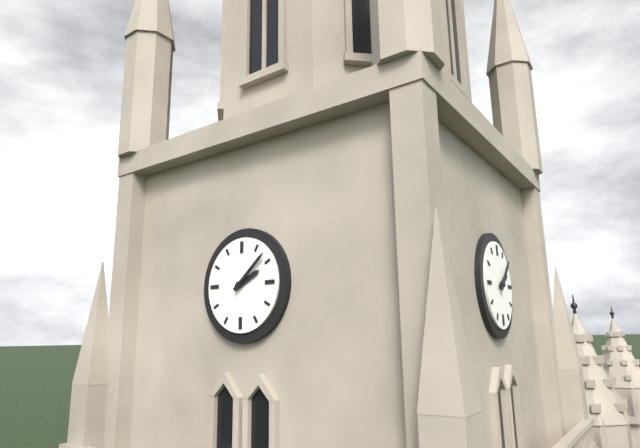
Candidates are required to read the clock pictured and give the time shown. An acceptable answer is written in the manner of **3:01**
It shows **2:08**
